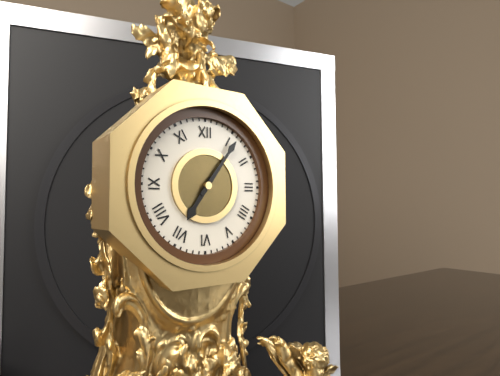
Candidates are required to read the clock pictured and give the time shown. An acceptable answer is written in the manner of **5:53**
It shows **7:06**
